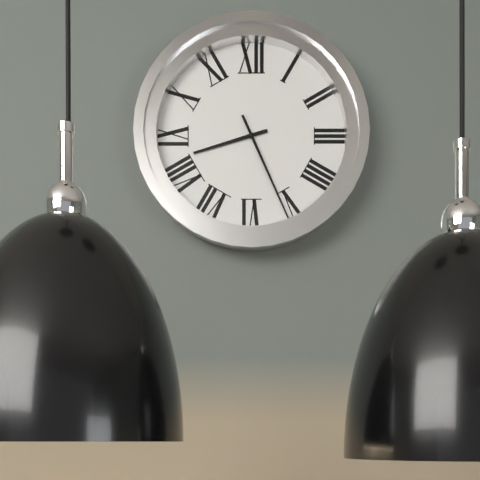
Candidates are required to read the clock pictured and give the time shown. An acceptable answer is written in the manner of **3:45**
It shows **8:26**
